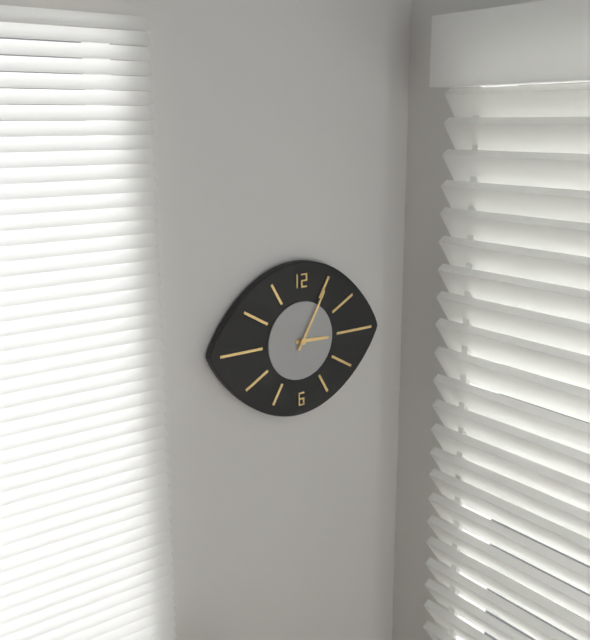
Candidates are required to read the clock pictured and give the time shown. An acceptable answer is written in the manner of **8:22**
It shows **3:05**
